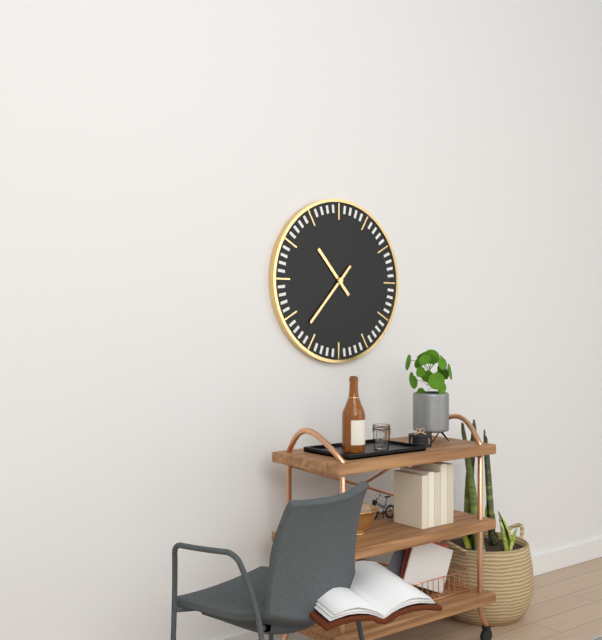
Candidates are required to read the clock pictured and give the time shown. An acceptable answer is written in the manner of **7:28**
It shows **10:37**
